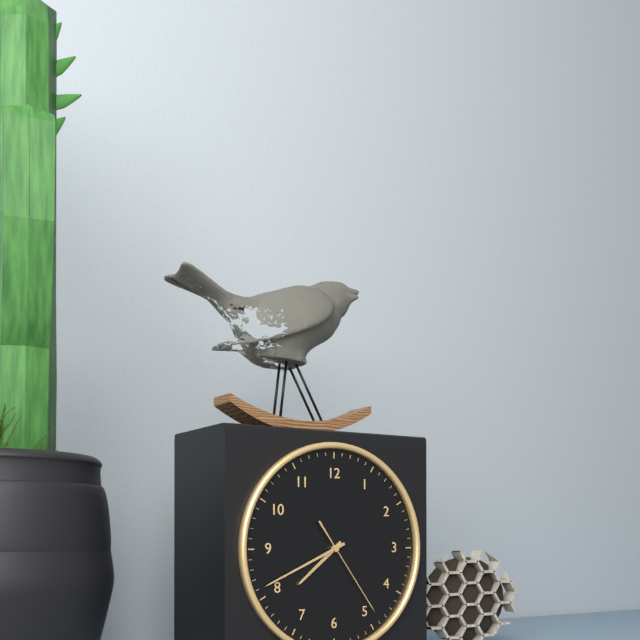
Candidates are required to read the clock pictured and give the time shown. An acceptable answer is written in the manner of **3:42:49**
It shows **7:41:24**
